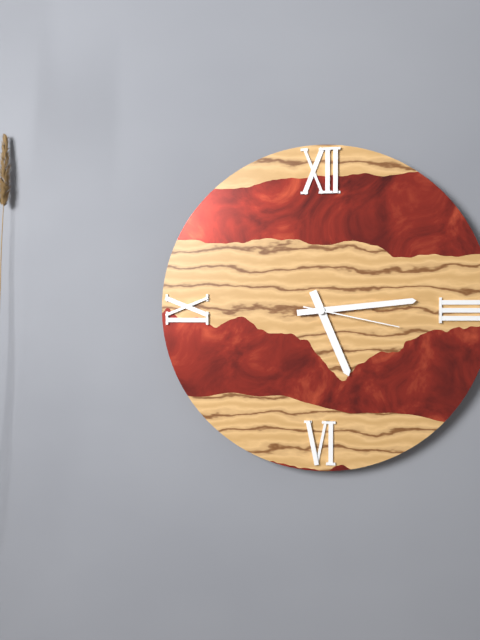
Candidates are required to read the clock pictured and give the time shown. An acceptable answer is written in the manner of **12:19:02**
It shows **5:14:17**
